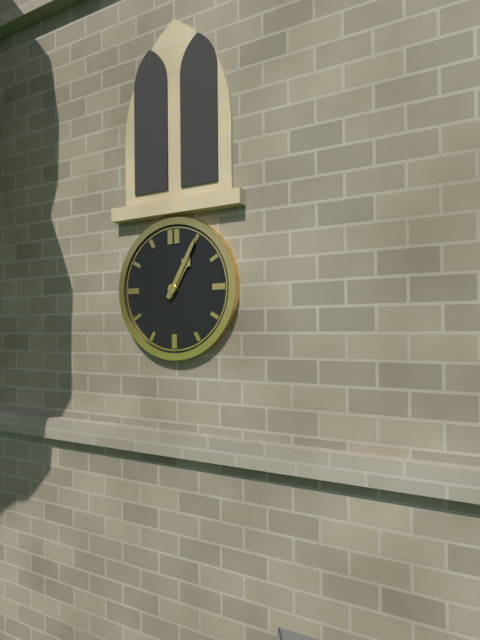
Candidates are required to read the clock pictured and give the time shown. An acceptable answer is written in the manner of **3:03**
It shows **1:05**
